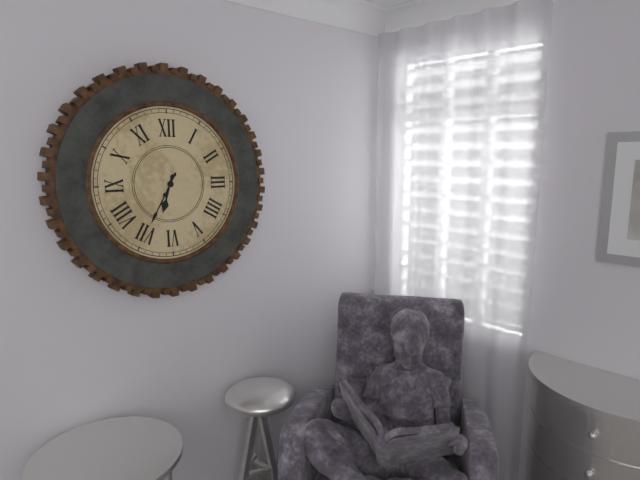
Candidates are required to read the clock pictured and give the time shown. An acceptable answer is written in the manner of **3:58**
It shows **6:35**
